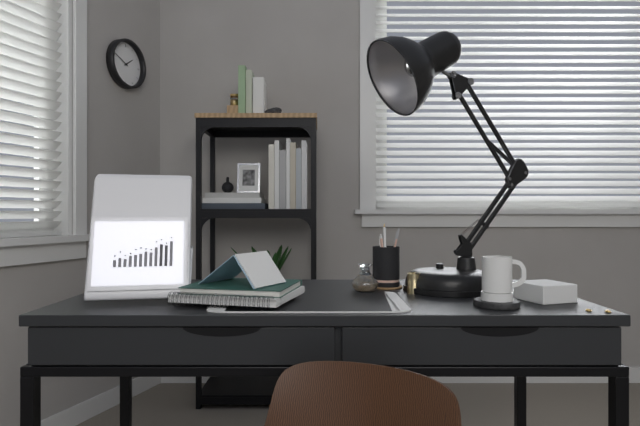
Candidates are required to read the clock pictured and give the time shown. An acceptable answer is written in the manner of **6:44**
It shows **1:49**
